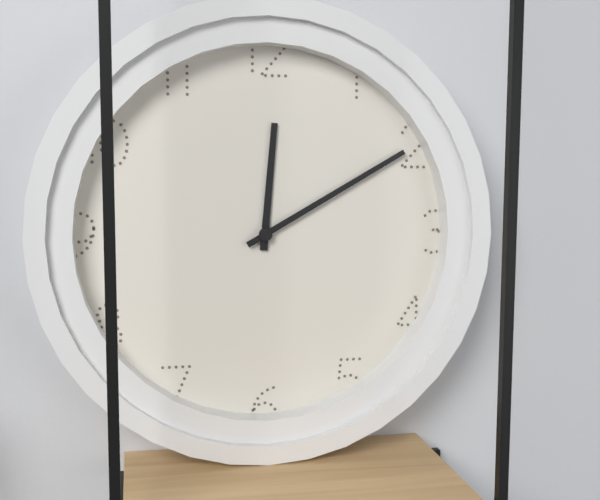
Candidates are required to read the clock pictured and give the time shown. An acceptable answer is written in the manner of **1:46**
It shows **12:10**
